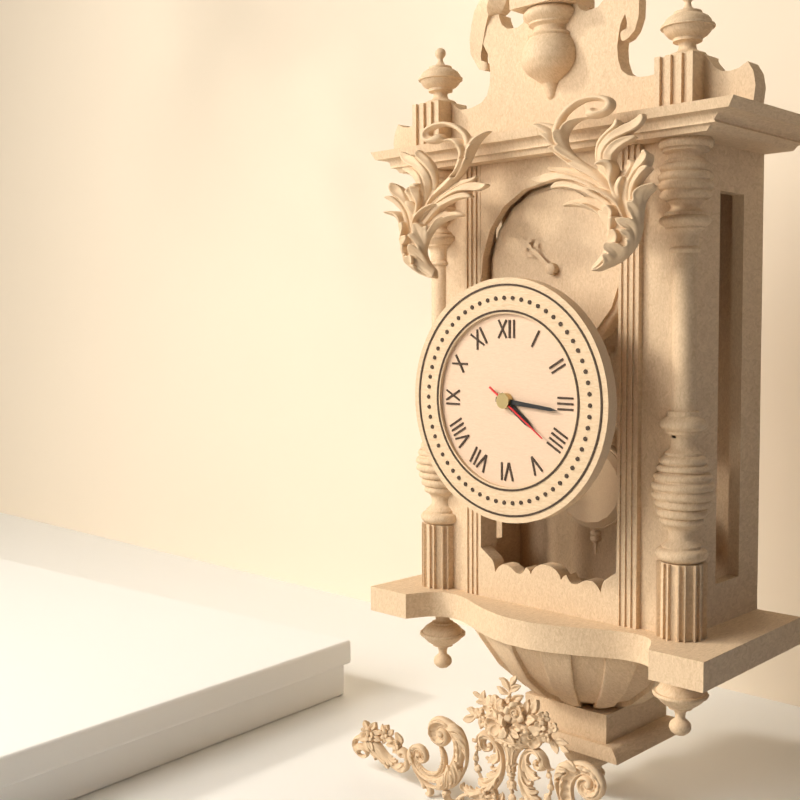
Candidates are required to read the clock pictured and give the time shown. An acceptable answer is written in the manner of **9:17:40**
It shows **4:16:21**
